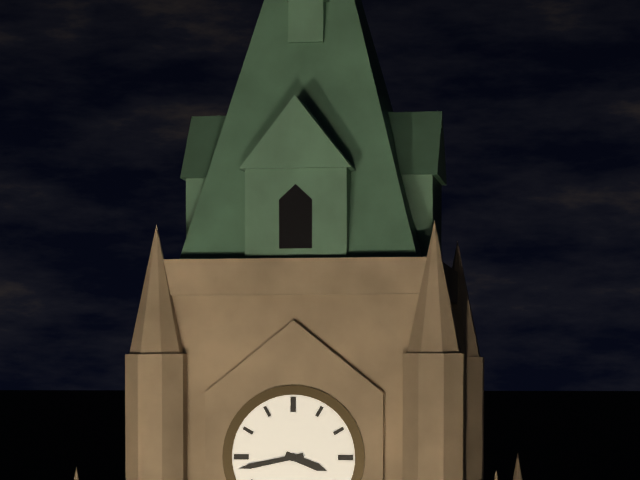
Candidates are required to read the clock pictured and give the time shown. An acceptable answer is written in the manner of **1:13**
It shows **3:43**
